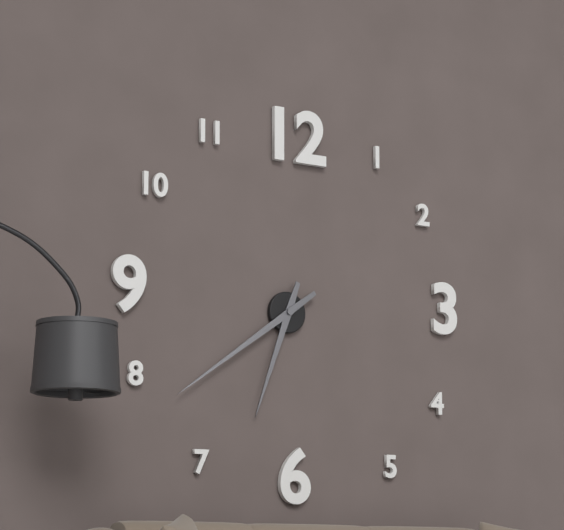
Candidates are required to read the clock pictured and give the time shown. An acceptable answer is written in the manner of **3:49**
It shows **6:39**
